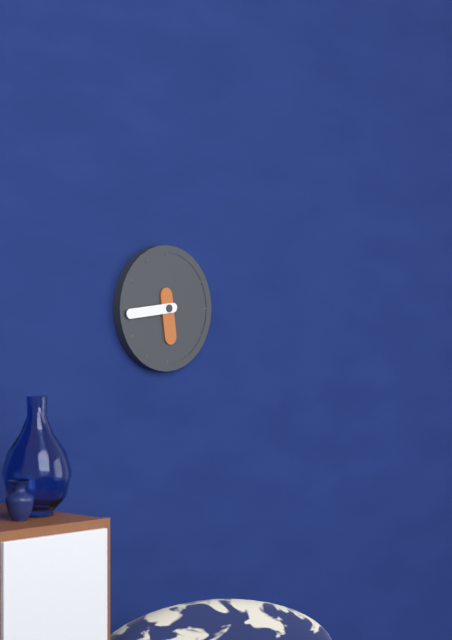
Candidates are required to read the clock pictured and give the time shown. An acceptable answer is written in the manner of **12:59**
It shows **5:44**
